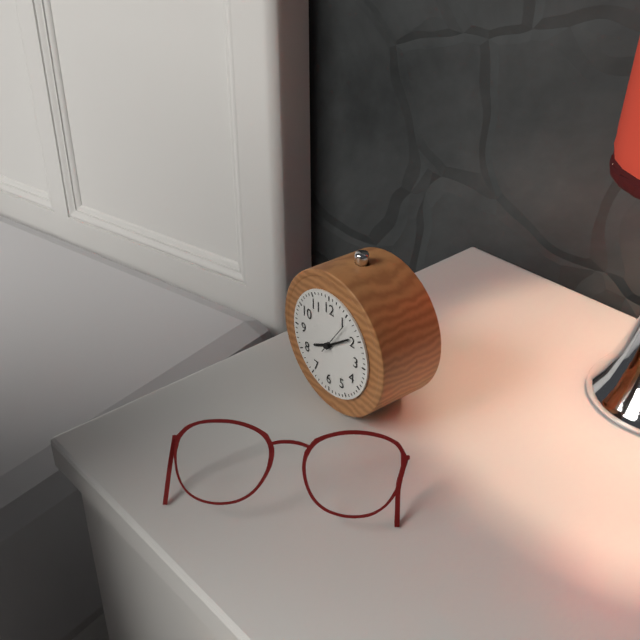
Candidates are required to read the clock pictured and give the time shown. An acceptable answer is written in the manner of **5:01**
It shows **8:09**
